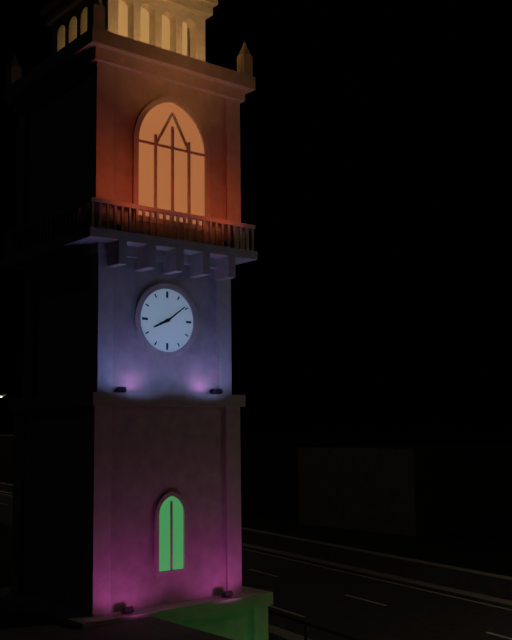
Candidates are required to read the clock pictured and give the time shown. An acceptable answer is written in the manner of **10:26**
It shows **8:09**
